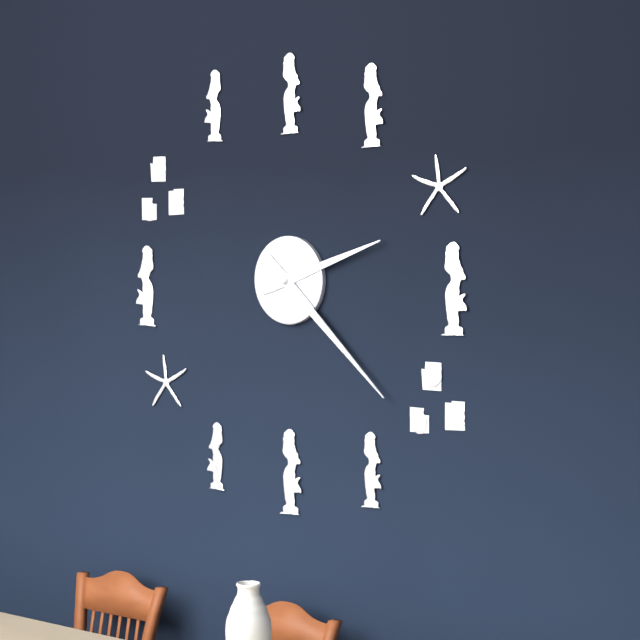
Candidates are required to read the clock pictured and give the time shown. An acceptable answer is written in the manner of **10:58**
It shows **2:22**
